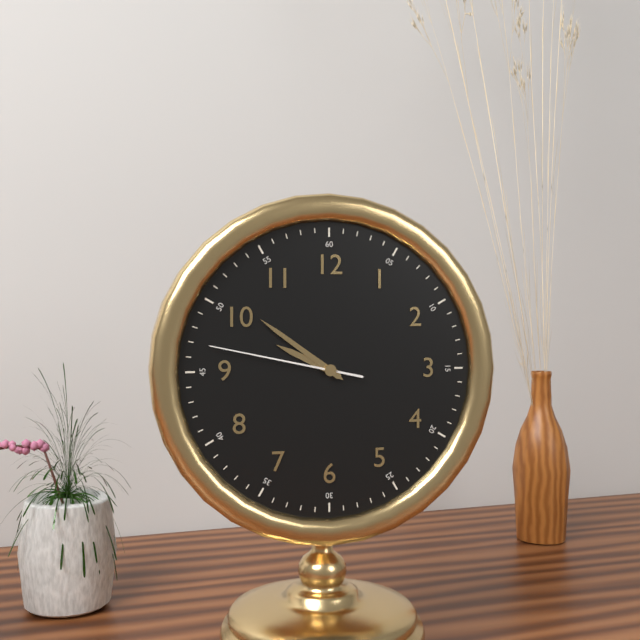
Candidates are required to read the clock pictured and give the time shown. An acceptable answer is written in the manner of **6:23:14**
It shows **9:51:47**
